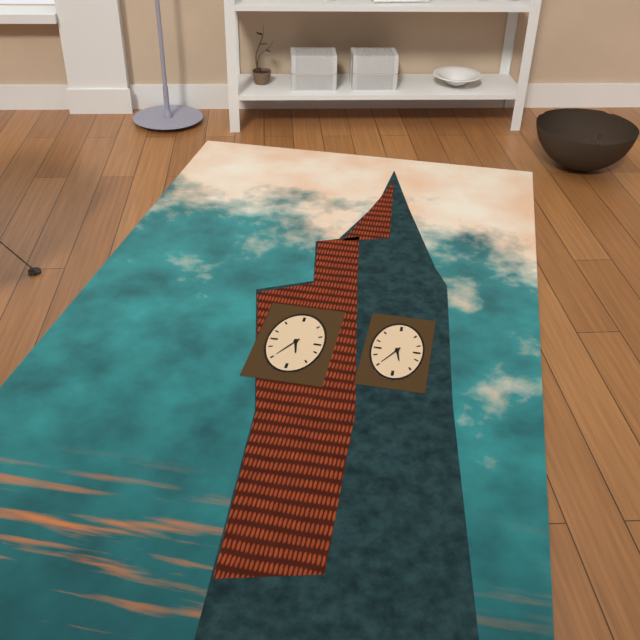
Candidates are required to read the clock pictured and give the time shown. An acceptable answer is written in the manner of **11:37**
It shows **5:35**
